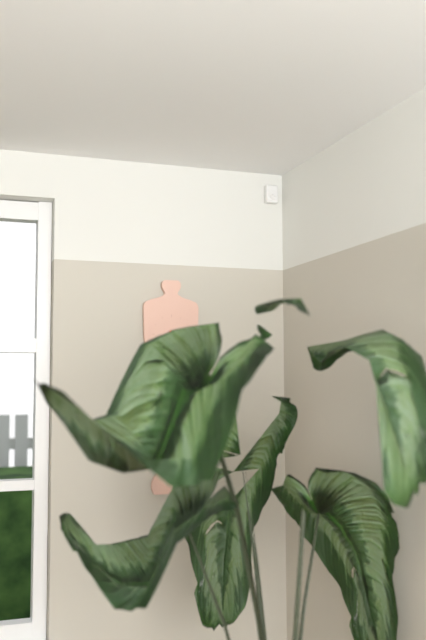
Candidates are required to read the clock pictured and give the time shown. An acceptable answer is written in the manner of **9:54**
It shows **3:26**
